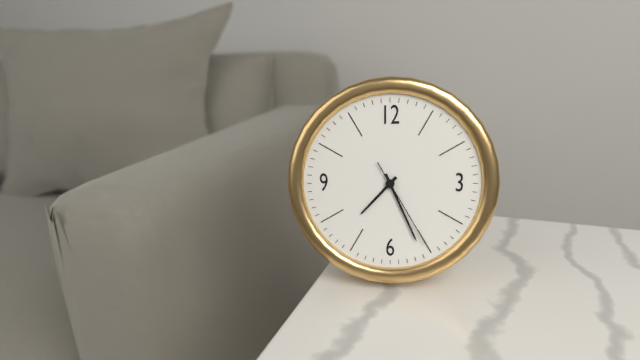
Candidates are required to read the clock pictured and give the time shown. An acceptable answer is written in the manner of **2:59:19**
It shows **7:26:25**
